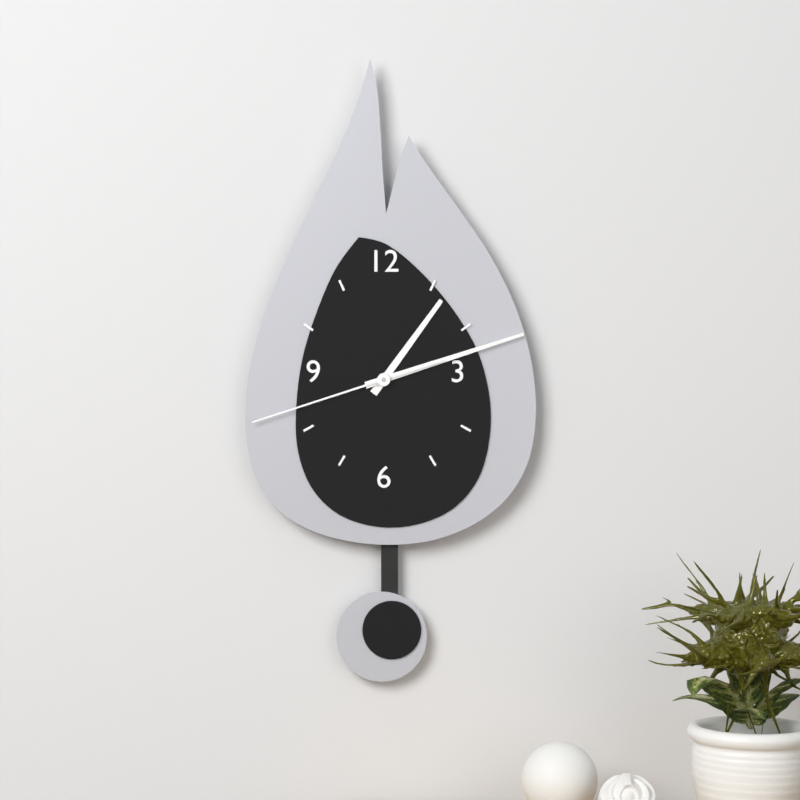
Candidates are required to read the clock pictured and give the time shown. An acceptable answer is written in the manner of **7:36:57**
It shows **1:12:42**
